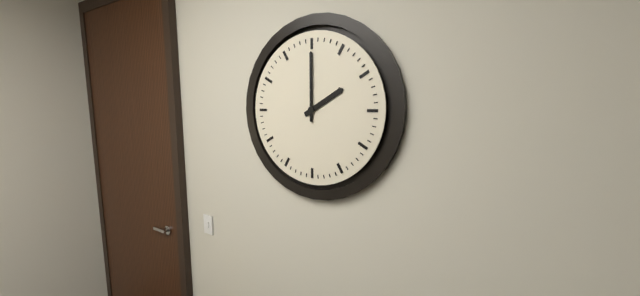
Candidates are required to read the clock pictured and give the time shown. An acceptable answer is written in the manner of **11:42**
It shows **2:00**
